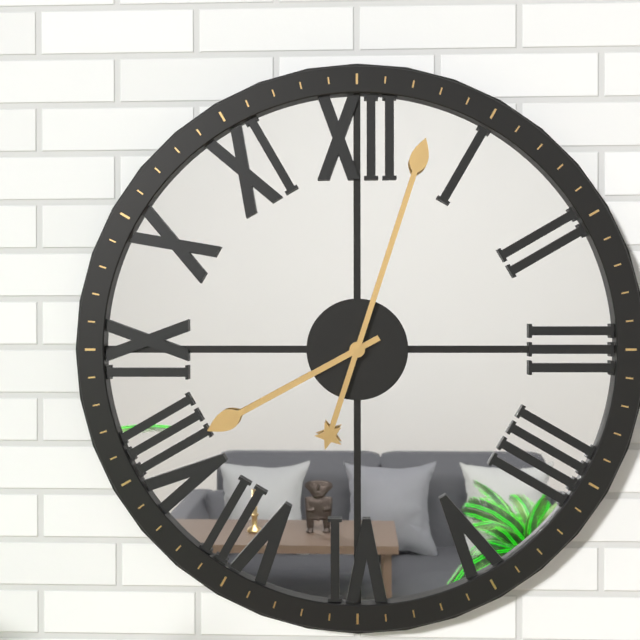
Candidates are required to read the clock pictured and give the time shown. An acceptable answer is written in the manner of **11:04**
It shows **8:03**
